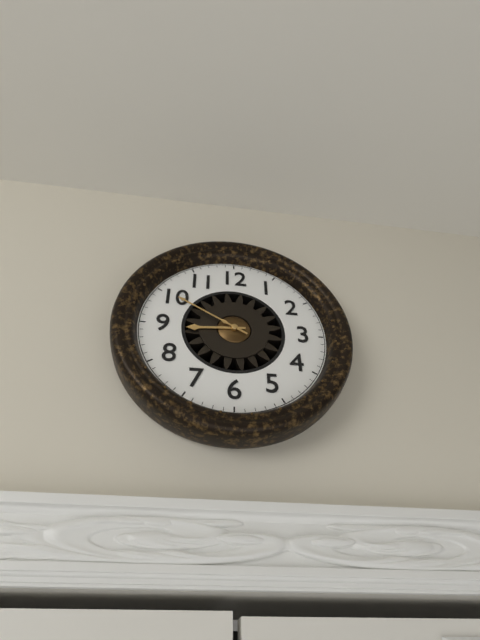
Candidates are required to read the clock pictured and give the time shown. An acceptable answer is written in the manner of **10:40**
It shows **8:50**
